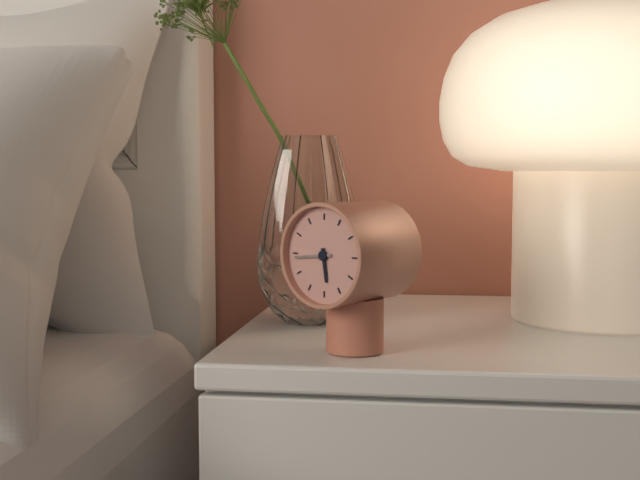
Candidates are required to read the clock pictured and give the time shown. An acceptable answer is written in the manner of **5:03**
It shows **5:44**
